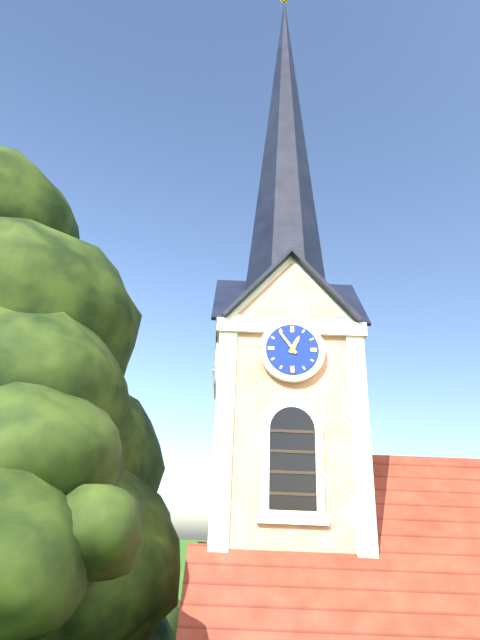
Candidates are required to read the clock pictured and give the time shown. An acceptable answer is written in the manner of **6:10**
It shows **12:54**
